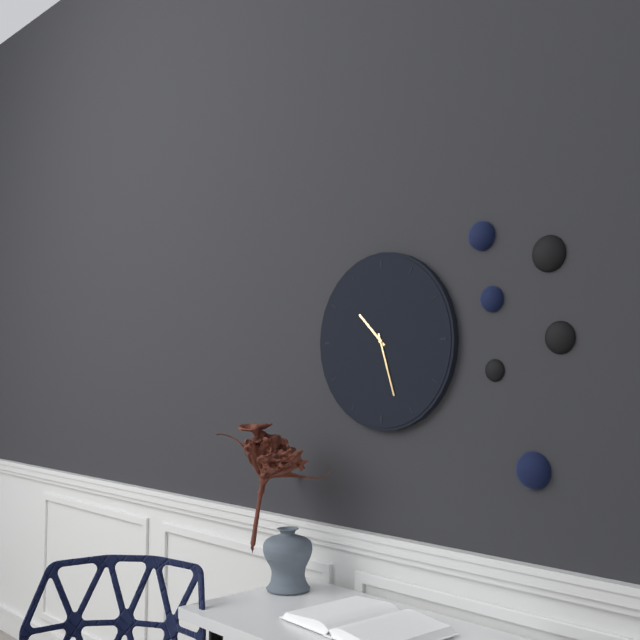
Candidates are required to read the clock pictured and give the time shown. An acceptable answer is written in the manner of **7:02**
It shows **10:27**
